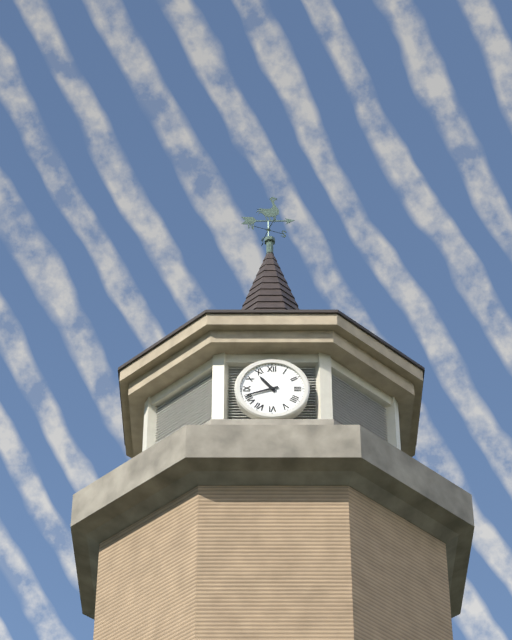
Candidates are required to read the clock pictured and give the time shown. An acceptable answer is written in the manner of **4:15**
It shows **10:42**
